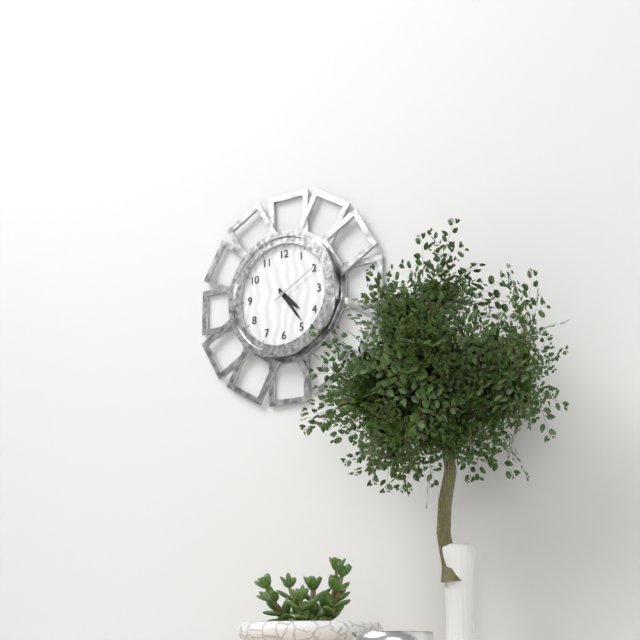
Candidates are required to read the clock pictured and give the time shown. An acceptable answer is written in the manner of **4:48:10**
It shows **4:24:10**
